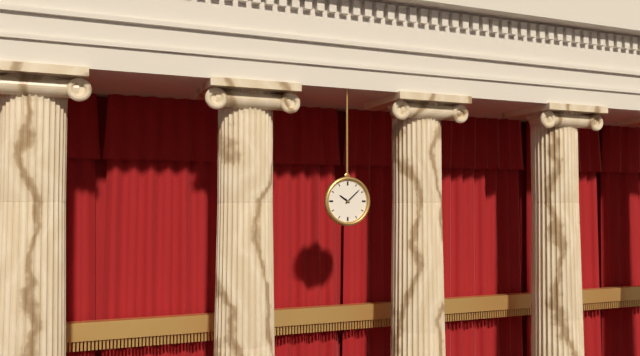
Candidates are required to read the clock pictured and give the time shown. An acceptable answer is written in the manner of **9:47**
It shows **10:08**
